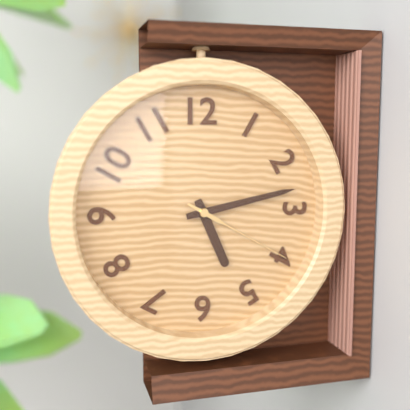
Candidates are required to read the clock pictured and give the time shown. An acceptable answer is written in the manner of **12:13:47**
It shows **5:13:20**
